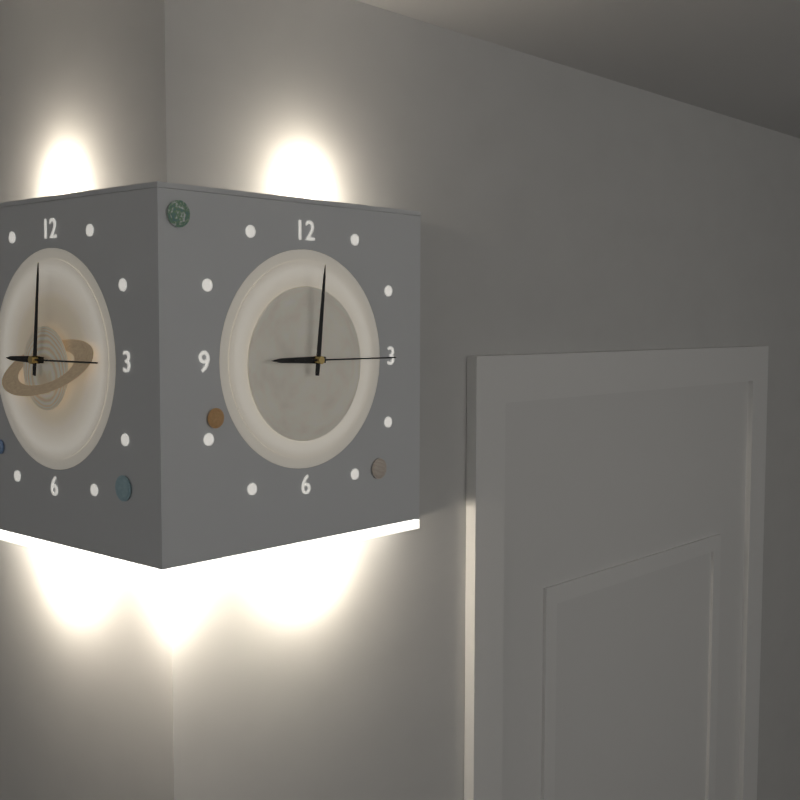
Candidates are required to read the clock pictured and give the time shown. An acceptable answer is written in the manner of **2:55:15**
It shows **9:01:15**
